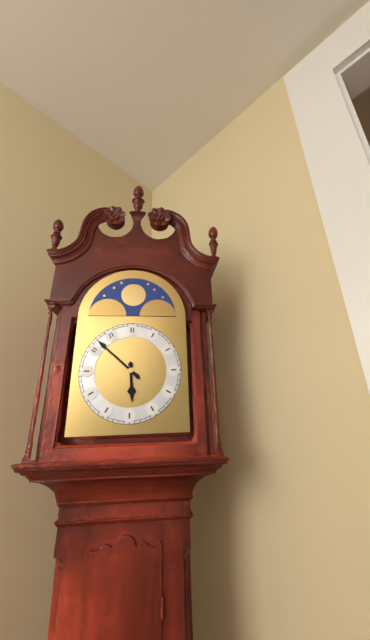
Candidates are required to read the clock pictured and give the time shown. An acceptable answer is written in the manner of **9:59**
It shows **5:52**
